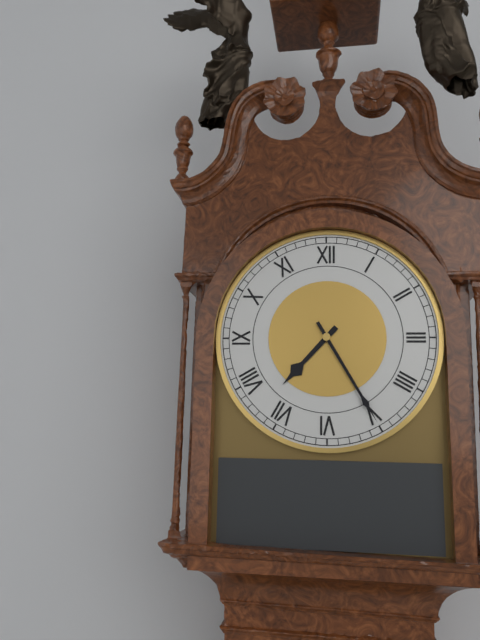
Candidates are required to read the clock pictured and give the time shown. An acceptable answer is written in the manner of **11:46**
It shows **7:25**
